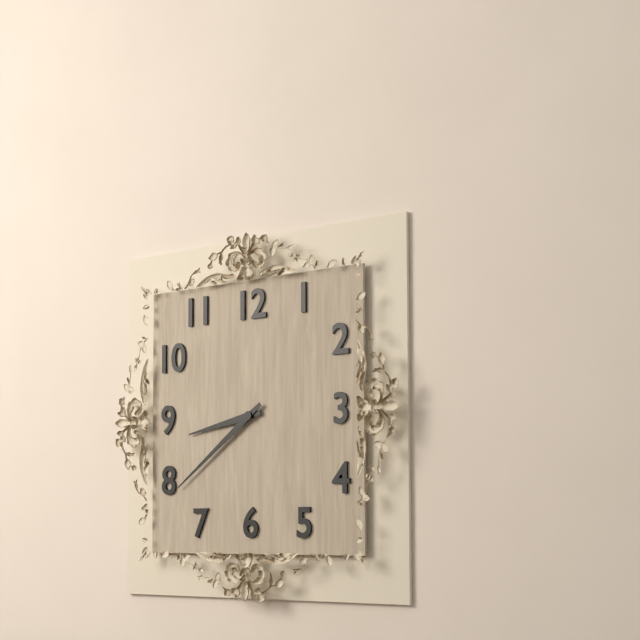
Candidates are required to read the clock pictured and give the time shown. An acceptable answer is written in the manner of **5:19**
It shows **8:39**
